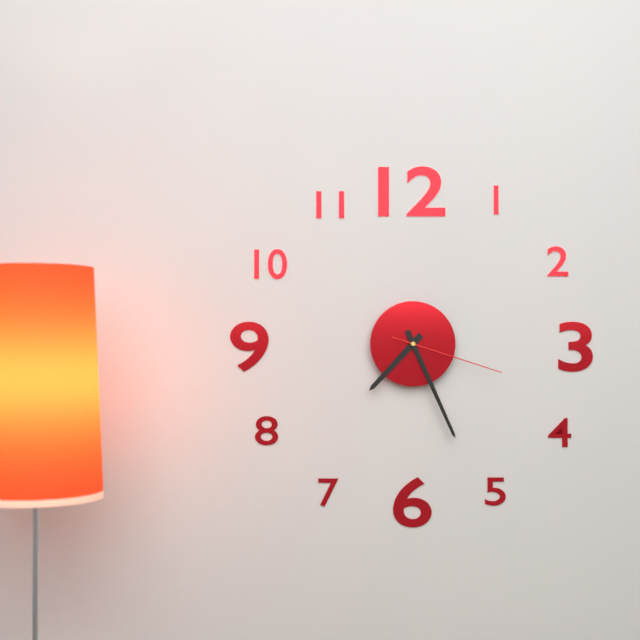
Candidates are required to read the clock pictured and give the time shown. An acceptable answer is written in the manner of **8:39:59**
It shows **7:26:18**
